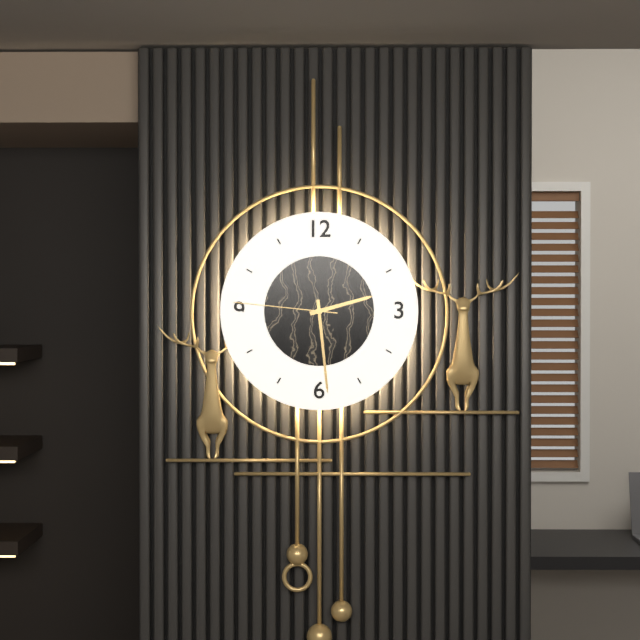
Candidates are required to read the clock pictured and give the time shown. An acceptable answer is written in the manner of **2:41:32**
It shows **2:29:46**
